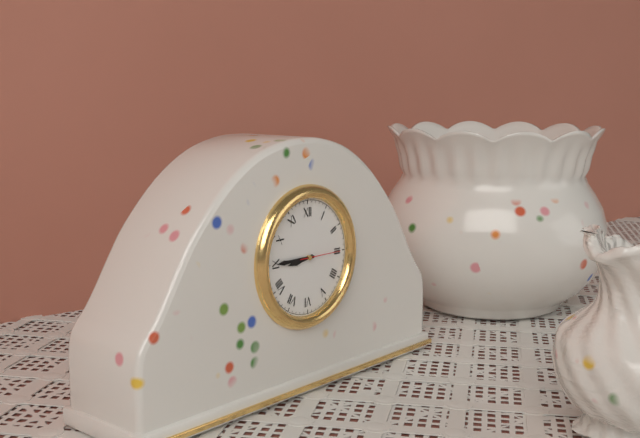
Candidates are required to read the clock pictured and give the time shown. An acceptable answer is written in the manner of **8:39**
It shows **8:45**
